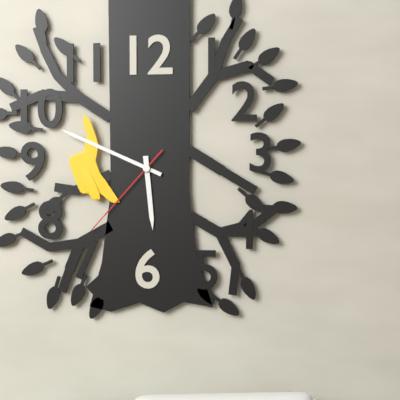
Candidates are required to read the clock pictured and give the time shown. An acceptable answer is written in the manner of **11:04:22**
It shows **5:49:37**
